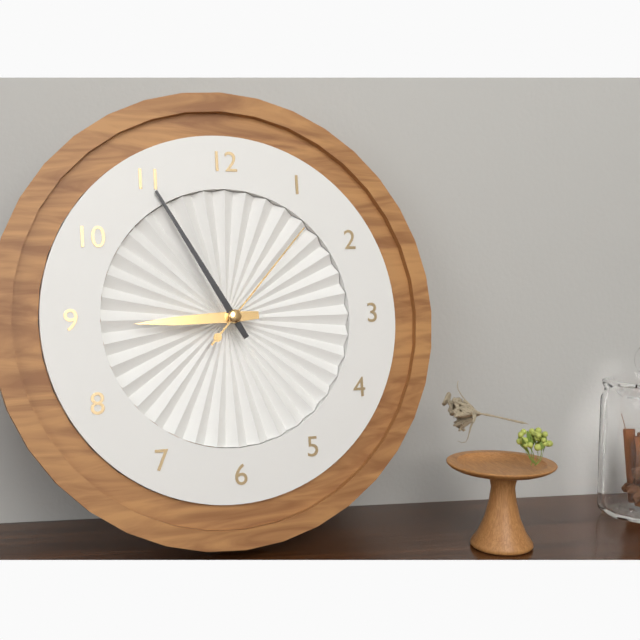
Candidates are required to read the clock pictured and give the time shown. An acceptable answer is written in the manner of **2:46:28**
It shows **8:55:07**
